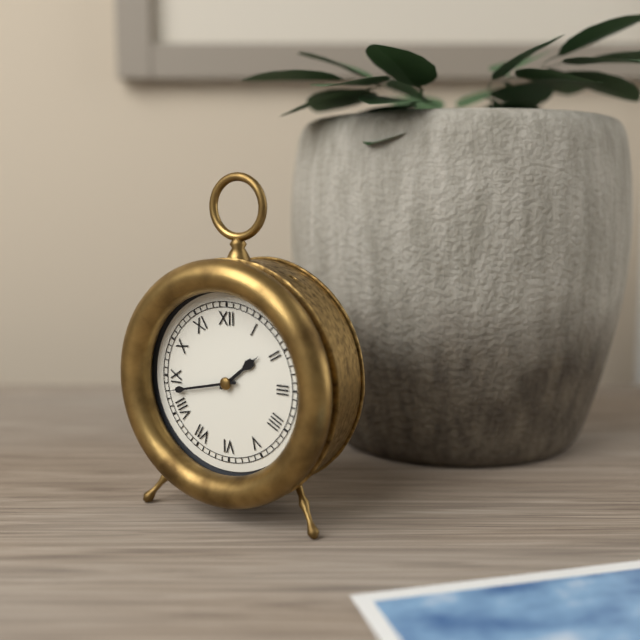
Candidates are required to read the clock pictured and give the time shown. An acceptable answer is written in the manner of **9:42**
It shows **1:43**
